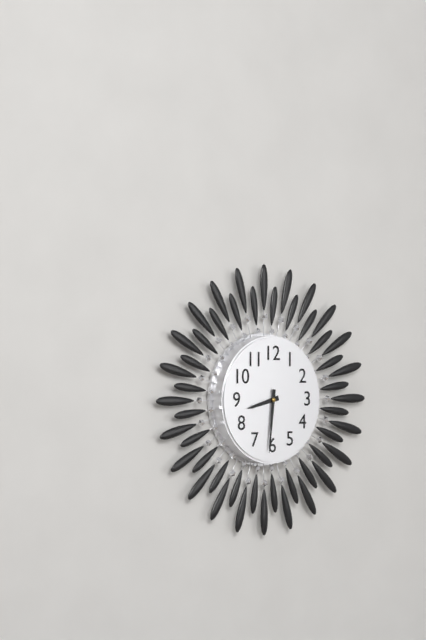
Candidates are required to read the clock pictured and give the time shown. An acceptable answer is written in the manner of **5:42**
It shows **8:31**
